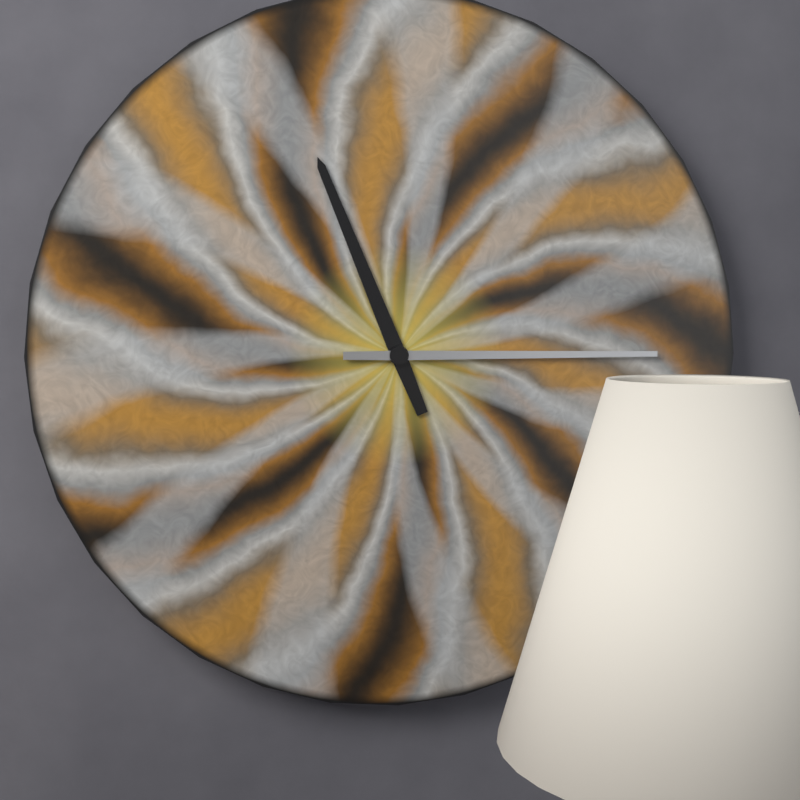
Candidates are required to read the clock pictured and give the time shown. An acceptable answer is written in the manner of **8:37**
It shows **11:15**
